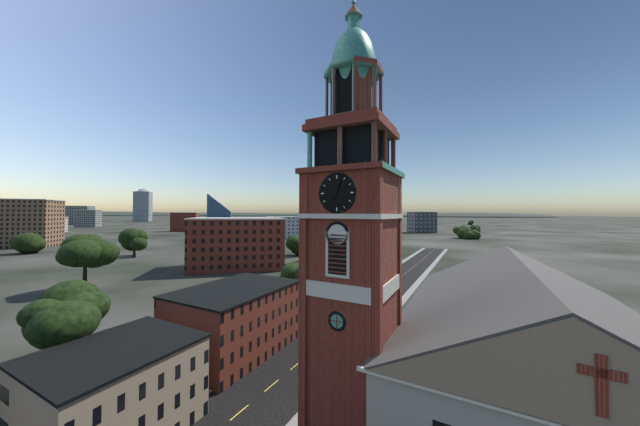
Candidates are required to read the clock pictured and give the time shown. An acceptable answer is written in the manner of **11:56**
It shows **7:03**
